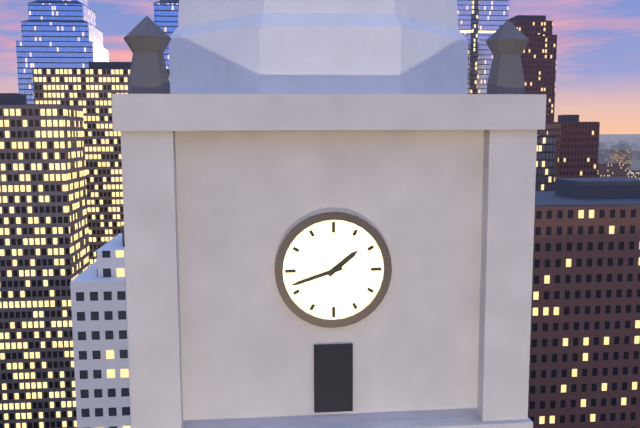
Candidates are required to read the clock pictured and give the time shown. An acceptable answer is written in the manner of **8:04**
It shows **1:42**
